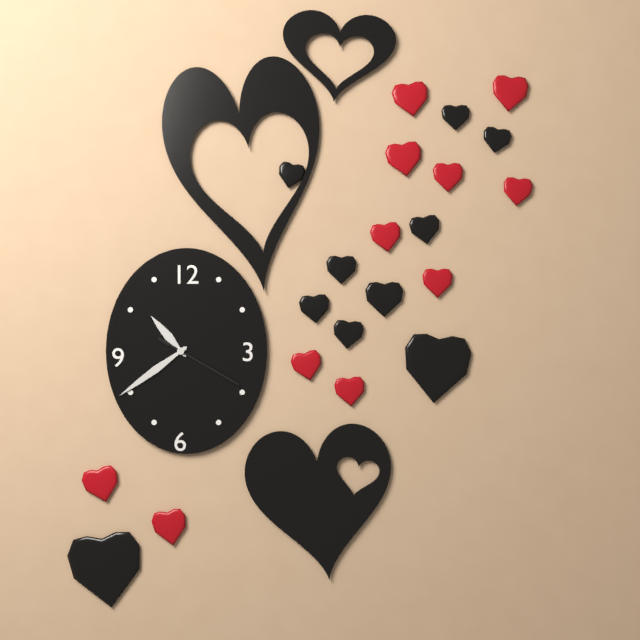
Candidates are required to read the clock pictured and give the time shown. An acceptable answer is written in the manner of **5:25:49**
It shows **10:39:20**
